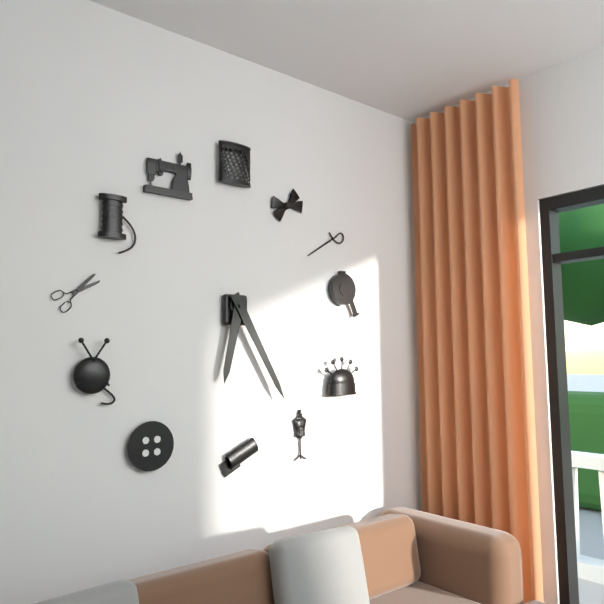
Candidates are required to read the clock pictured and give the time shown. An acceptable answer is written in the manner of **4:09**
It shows **6:25**
